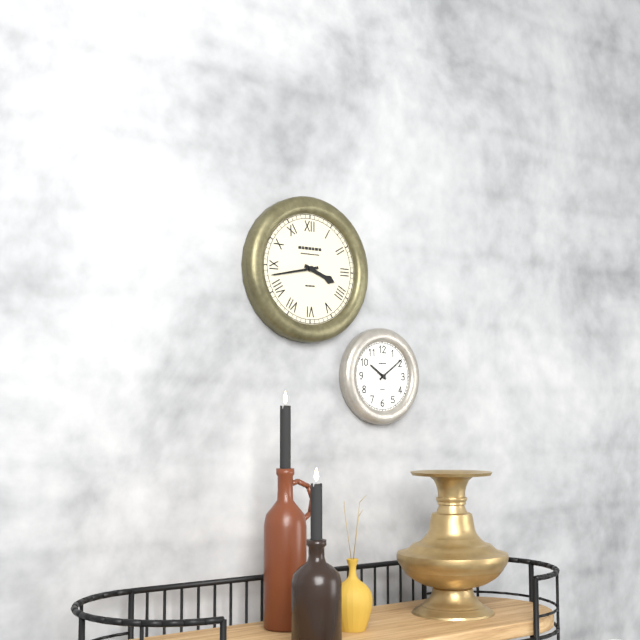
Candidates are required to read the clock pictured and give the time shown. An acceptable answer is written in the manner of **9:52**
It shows **3:43**
